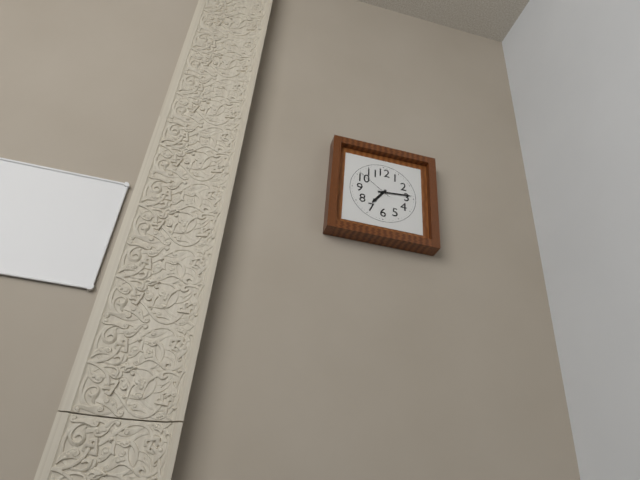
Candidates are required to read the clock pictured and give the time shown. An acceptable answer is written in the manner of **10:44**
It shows **7:14**
